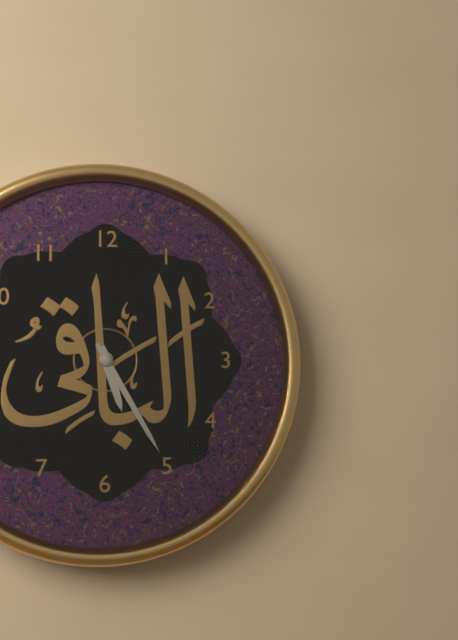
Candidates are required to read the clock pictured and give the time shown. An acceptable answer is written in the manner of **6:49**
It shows **5:25**
